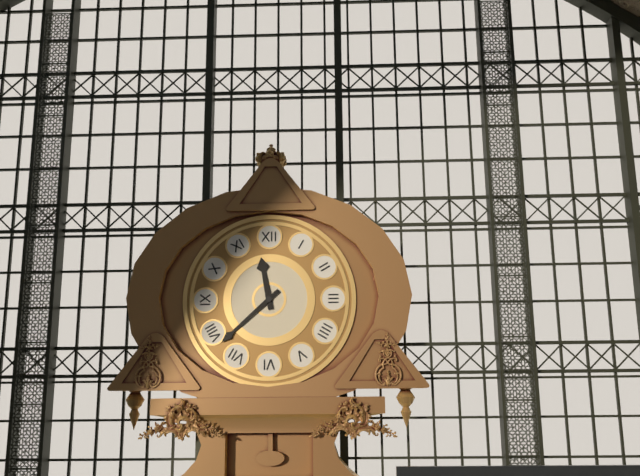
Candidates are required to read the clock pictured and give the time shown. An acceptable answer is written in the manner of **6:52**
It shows **11:38**
